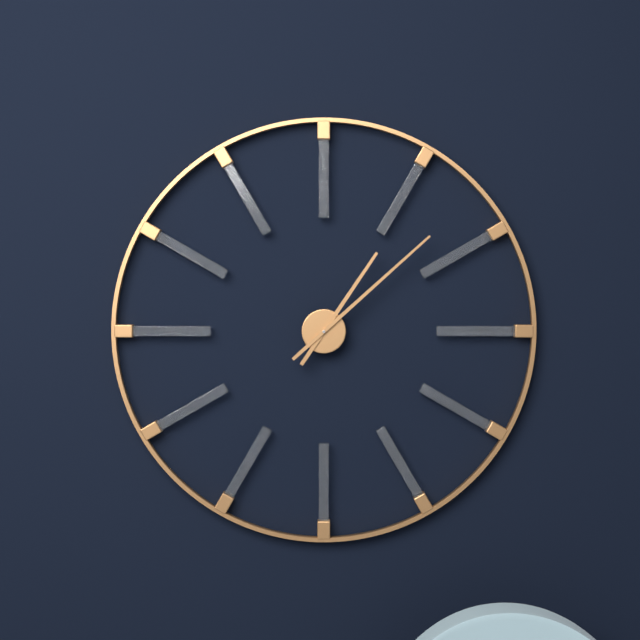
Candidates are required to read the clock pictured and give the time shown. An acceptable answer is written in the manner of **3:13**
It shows **1:08**
